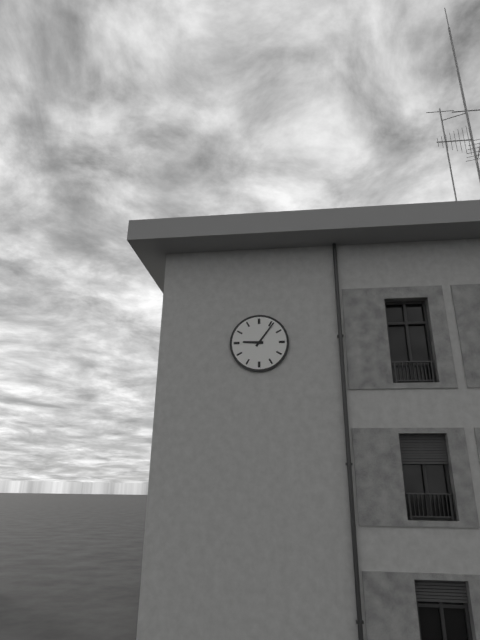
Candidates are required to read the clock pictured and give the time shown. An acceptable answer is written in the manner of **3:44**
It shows **9:06**
